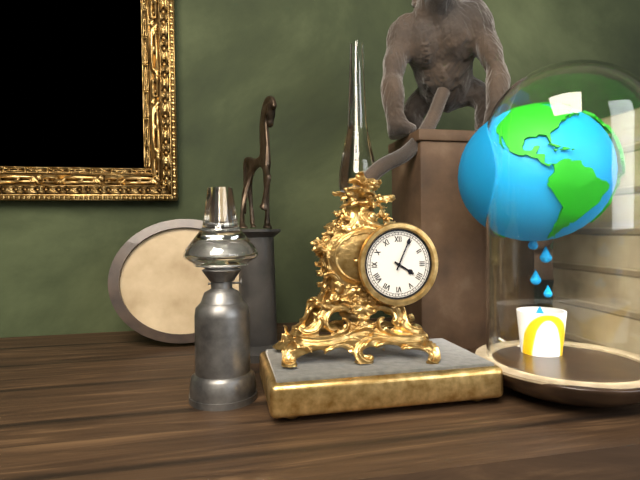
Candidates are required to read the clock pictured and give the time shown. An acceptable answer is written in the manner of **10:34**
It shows **4:04**
